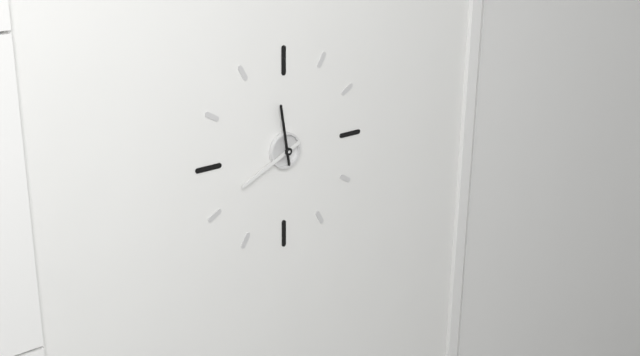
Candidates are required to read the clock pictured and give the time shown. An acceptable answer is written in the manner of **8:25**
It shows **11:41**
